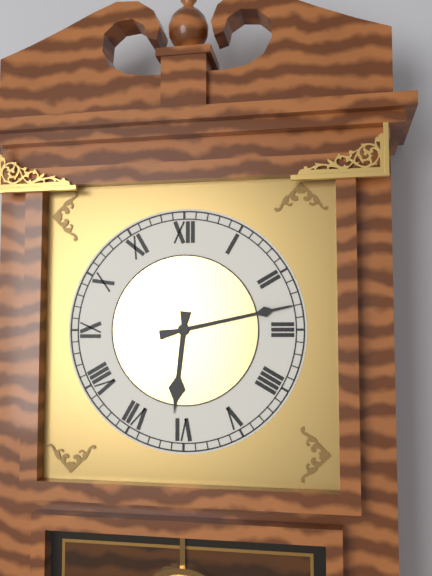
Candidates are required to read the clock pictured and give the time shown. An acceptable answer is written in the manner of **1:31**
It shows **6:13**
